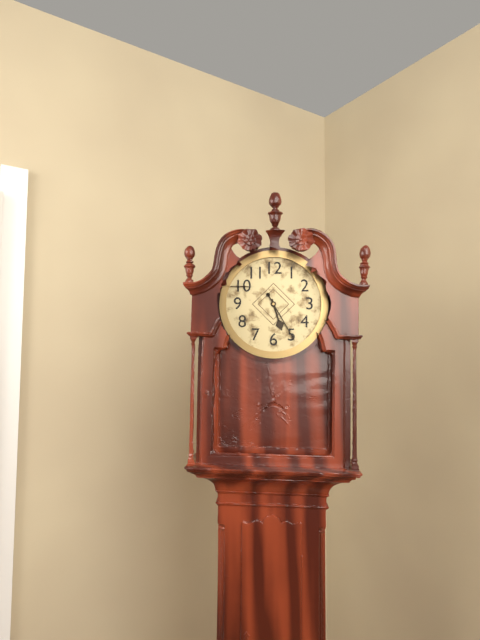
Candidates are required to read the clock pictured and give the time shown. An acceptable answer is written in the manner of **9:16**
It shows **5:25**
